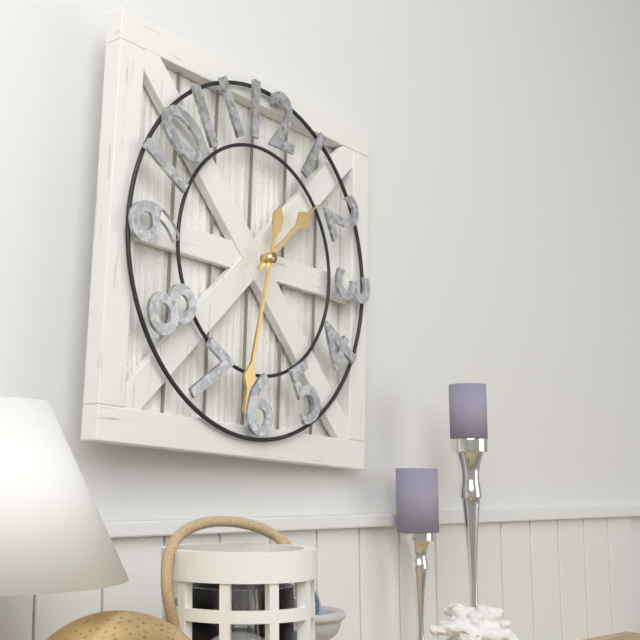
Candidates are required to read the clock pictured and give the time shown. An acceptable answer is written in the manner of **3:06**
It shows **1:32**
